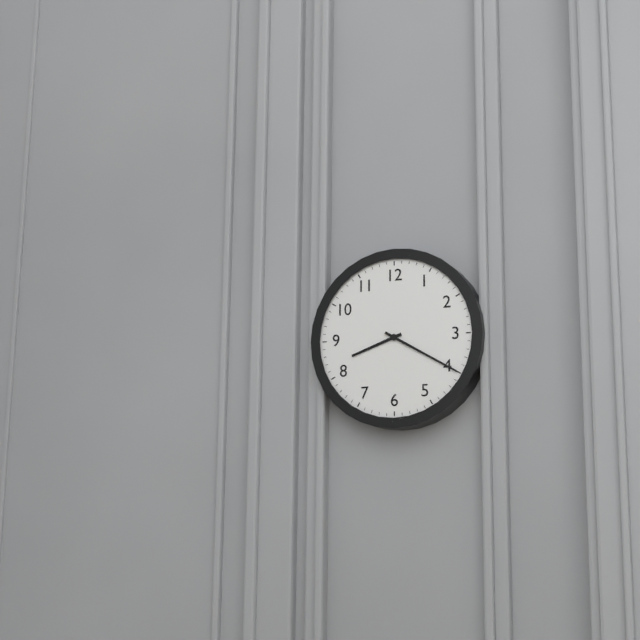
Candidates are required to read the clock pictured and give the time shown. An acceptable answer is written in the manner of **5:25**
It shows **8:20**
